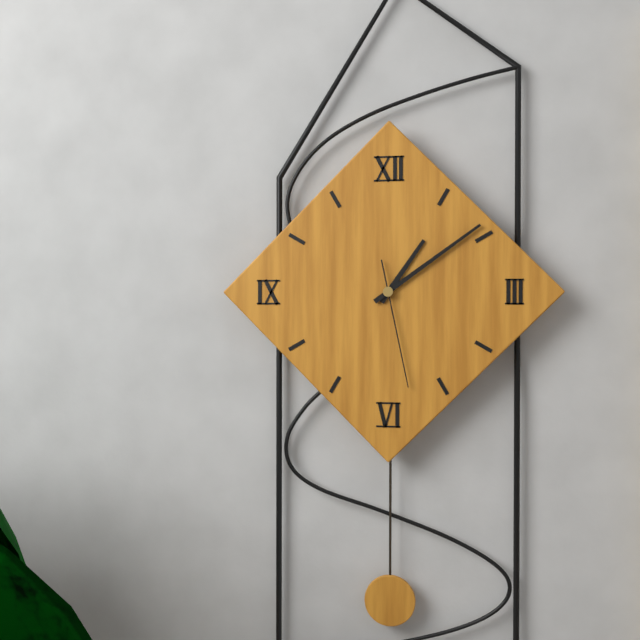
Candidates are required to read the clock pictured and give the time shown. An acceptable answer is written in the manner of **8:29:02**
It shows **1:09:28**
